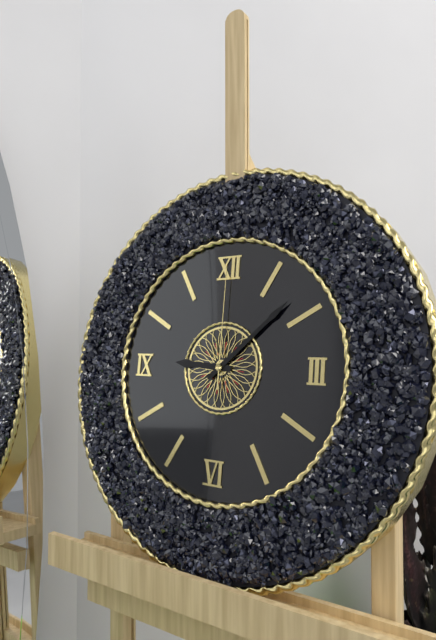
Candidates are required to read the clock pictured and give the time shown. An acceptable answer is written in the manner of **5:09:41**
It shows **9:08:00**
